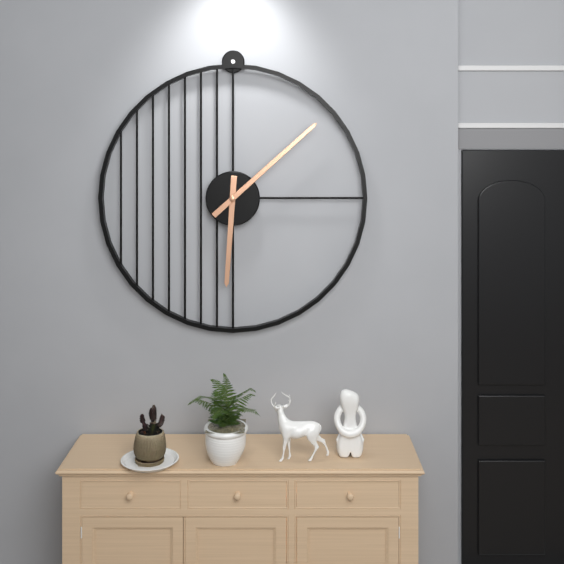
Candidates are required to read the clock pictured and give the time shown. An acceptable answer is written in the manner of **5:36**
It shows **6:08**
